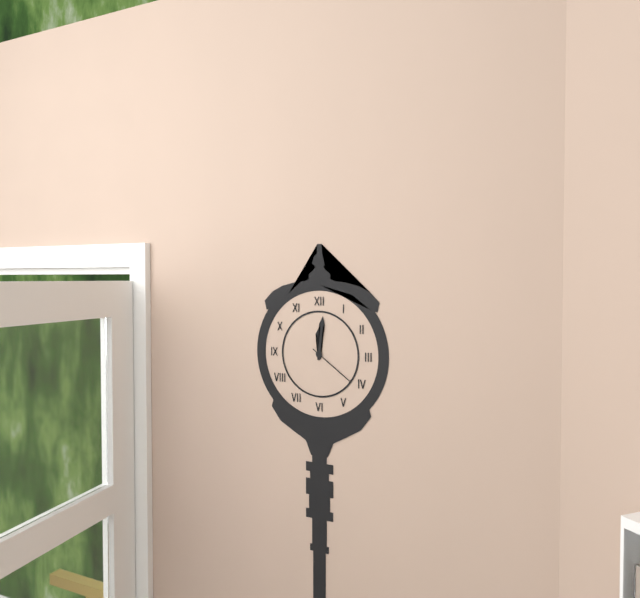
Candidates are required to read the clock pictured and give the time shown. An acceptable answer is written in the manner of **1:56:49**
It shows **12:01:21**
